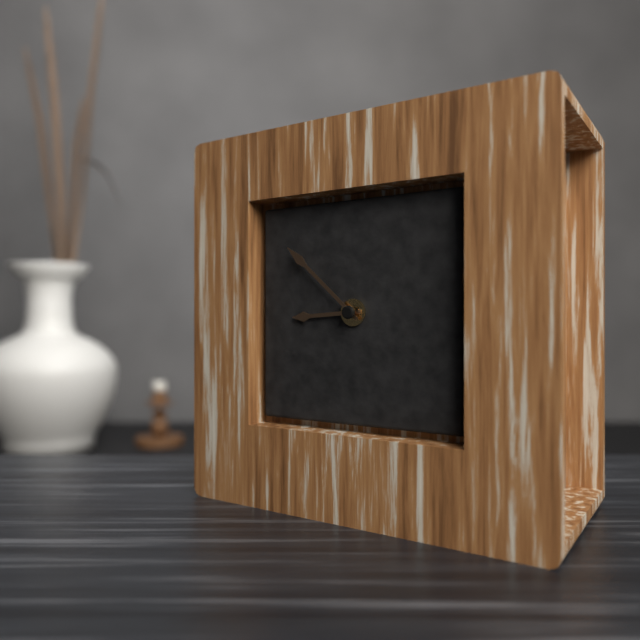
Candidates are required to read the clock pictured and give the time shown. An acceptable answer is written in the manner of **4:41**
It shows **8:52**
